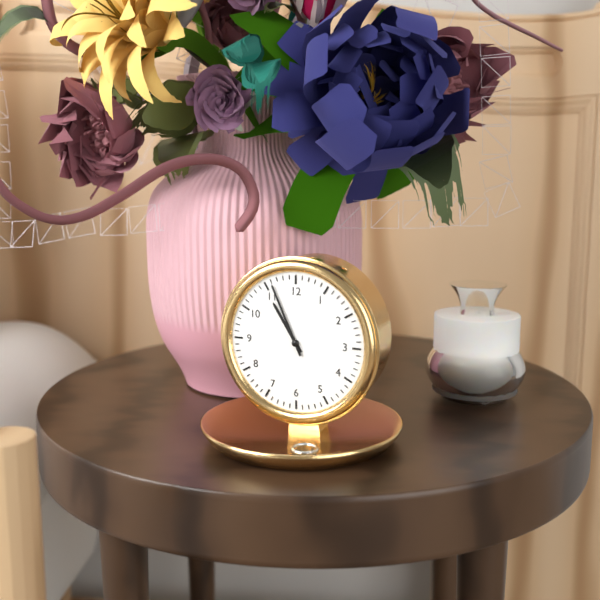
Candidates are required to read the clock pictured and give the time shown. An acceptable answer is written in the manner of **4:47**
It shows **10:56**
